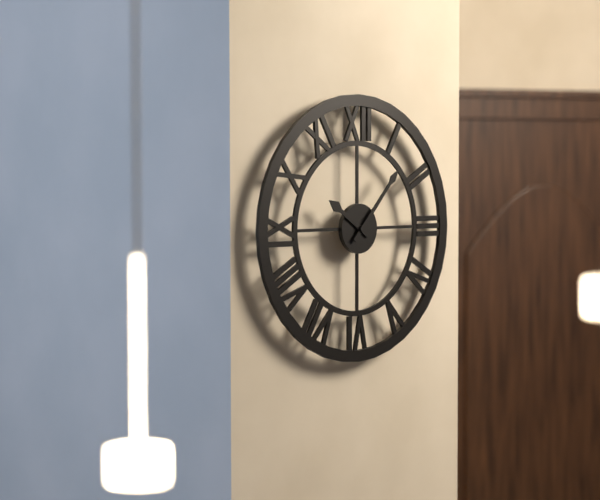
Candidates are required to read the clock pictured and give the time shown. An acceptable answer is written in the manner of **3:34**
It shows **10:07**
